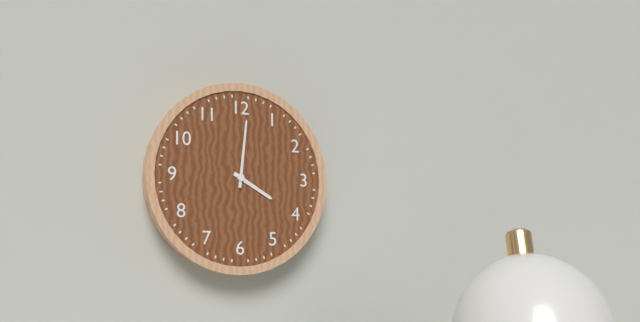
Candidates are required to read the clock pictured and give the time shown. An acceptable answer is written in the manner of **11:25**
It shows **4:01**
